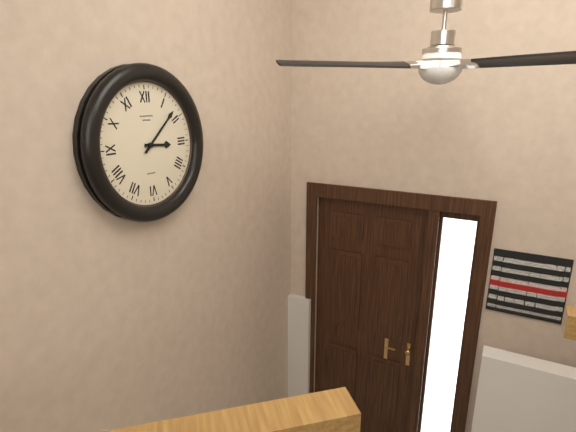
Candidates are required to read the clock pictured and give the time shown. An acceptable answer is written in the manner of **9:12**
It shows **3:08**
